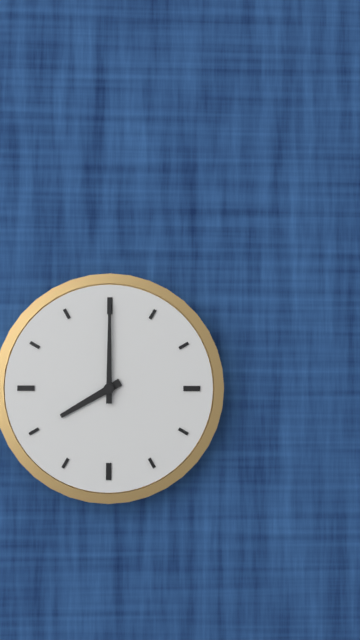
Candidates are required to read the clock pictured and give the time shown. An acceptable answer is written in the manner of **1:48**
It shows **8:00**
